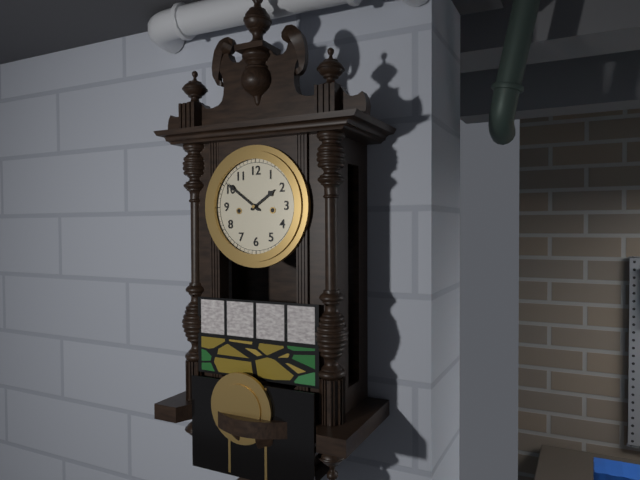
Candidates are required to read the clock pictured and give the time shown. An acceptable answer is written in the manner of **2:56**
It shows **1:51**
